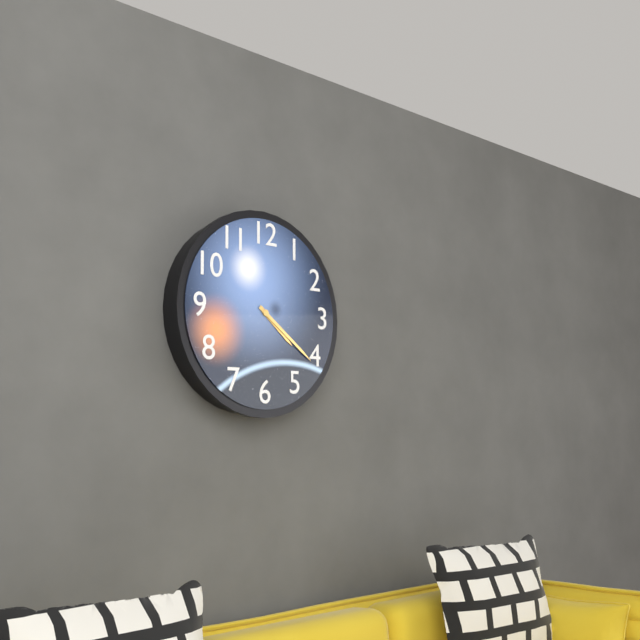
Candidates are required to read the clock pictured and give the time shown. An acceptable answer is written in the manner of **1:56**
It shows **4:21**
